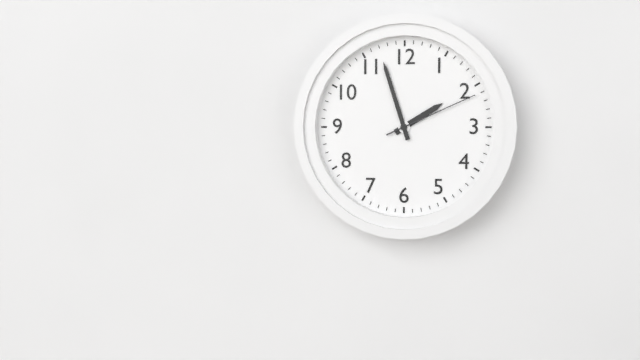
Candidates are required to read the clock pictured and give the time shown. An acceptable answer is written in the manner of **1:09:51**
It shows **1:57:11**
